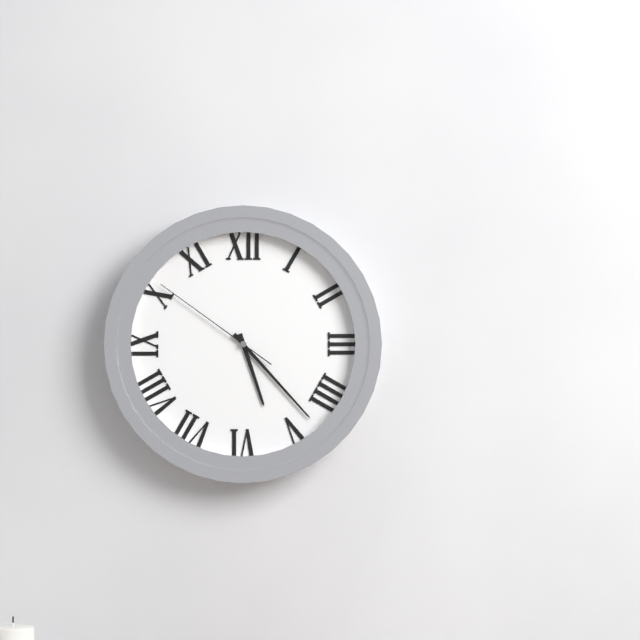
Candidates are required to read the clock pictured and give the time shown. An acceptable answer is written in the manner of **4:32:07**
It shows **5:23:51**
